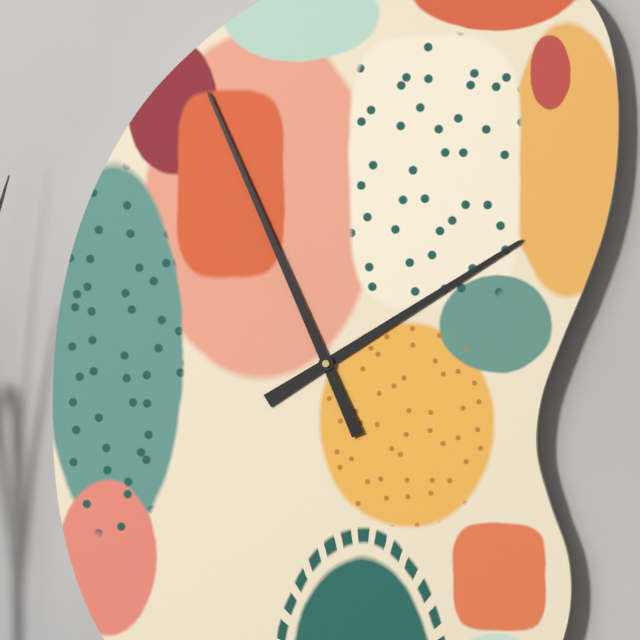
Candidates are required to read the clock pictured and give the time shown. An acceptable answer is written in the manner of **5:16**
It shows **1:56**
